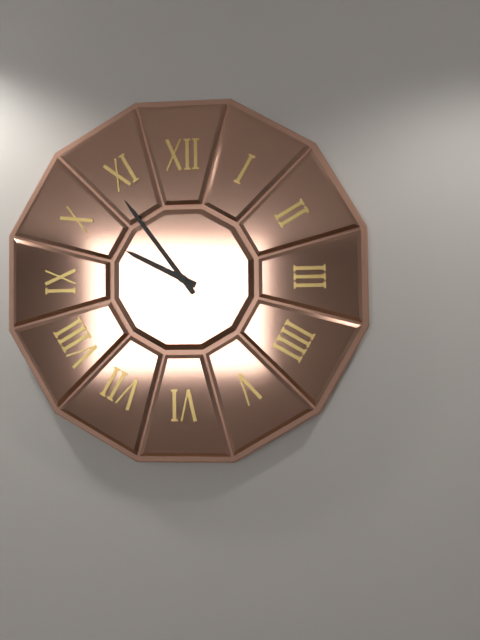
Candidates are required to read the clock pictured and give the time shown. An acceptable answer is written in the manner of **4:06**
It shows **9:54**
